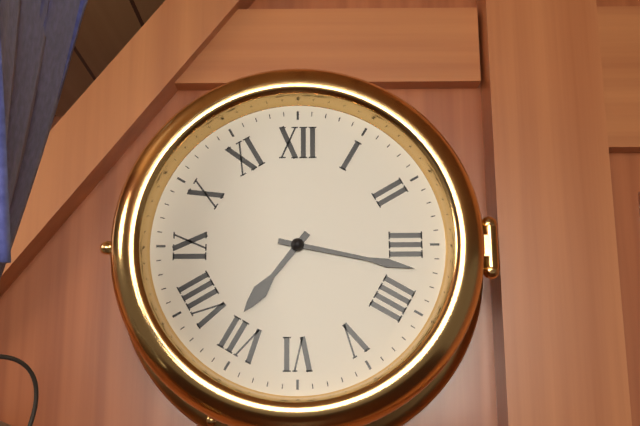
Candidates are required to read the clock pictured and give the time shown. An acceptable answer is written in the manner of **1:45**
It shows **7:17**
